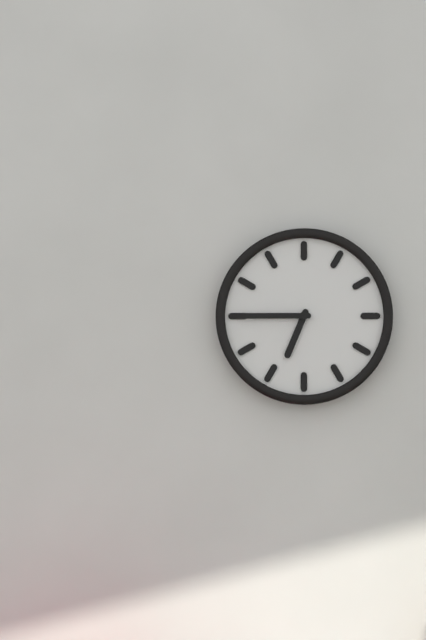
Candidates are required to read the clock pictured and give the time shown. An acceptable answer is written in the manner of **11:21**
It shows **6:45**
